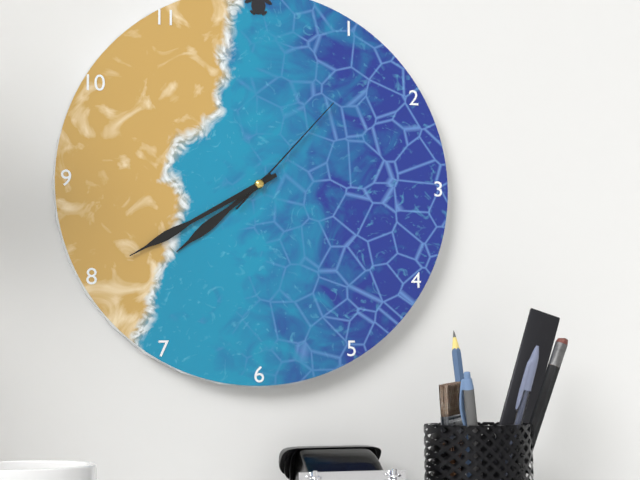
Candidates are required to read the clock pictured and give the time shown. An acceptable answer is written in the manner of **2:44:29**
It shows **7:40:07**
